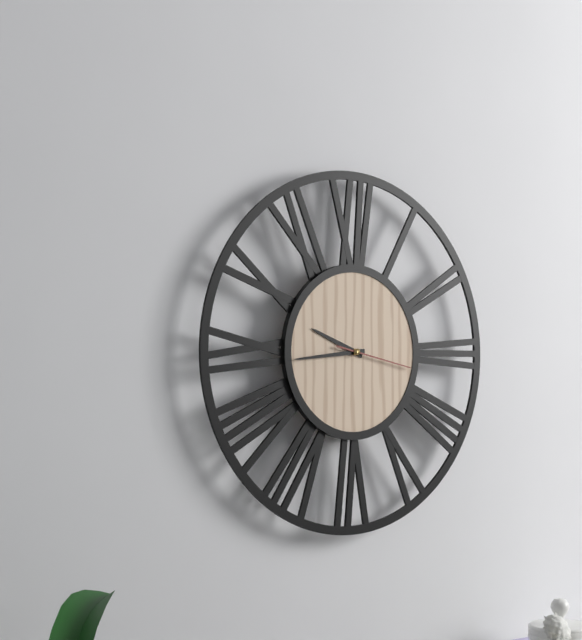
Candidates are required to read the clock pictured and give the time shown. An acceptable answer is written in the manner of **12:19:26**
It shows **9:44:17**
